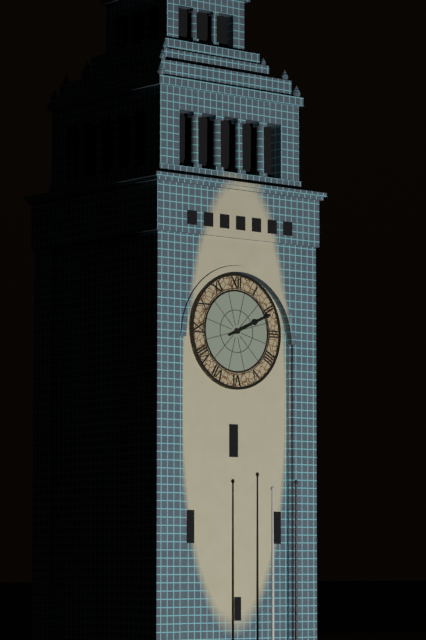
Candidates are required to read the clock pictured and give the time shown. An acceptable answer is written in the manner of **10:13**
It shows **2:11**
